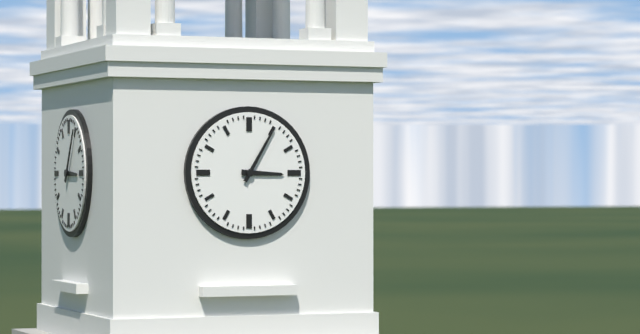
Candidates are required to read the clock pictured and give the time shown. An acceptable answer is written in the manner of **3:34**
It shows **3:05**
